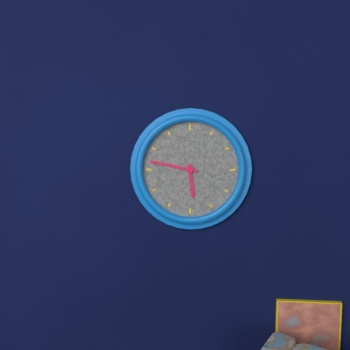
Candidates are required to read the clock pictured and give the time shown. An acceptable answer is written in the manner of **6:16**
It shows **5:47**
